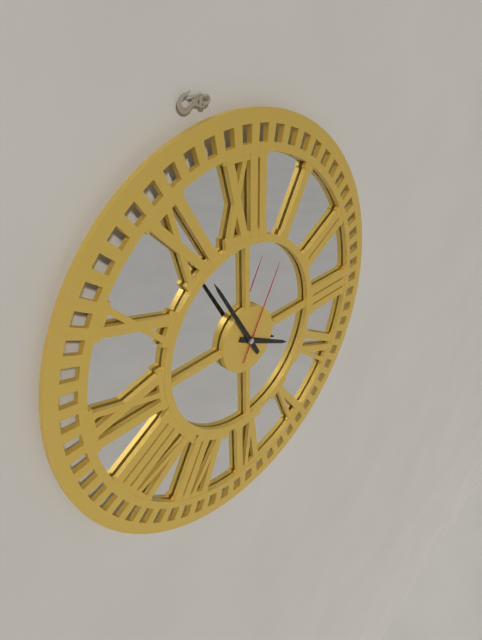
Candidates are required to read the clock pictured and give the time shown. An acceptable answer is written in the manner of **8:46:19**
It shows **3:55:05**
